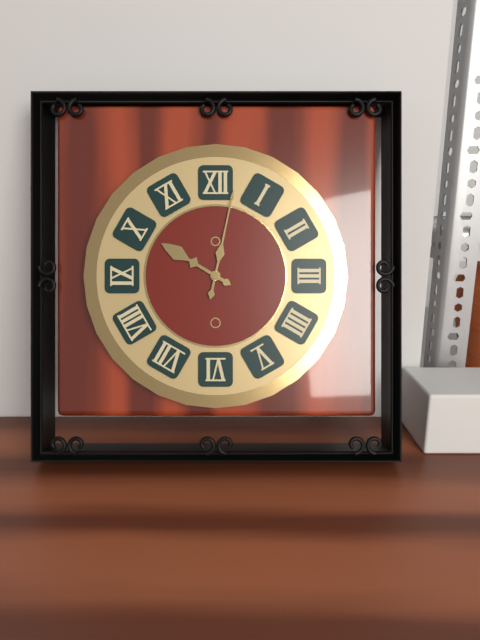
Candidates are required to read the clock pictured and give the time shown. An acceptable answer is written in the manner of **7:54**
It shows **10:02**
